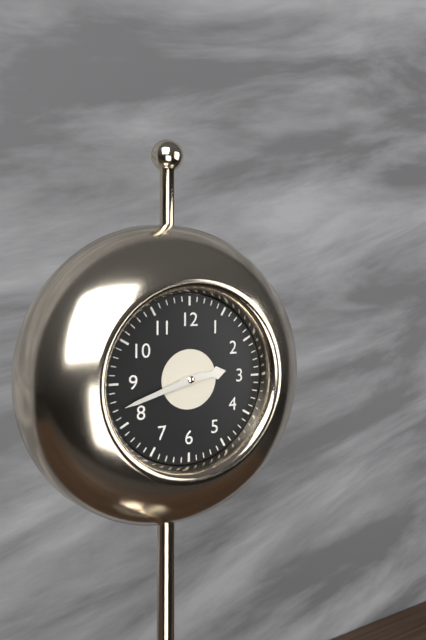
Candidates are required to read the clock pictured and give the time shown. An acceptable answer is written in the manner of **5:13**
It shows **2:42**
